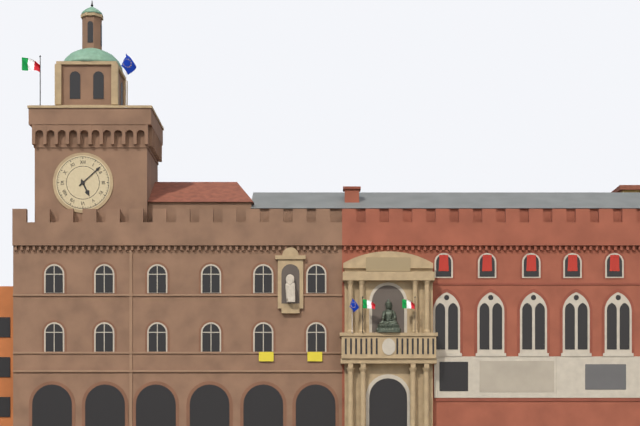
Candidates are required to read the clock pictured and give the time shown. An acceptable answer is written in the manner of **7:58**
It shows **5:08**
